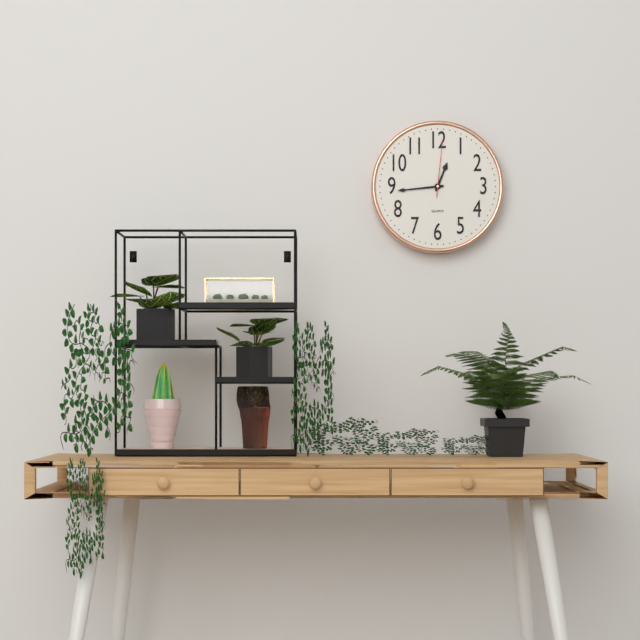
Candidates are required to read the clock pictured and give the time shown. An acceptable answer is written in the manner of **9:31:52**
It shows **12:44:01**
